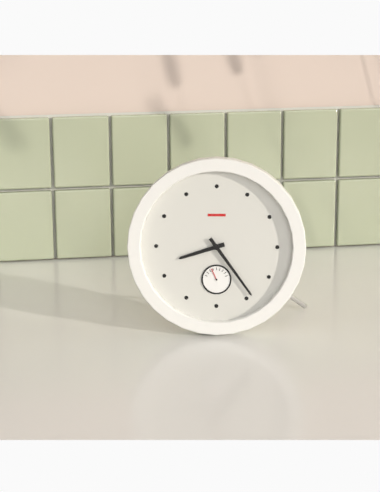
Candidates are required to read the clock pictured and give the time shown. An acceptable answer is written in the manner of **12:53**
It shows **8:24**
